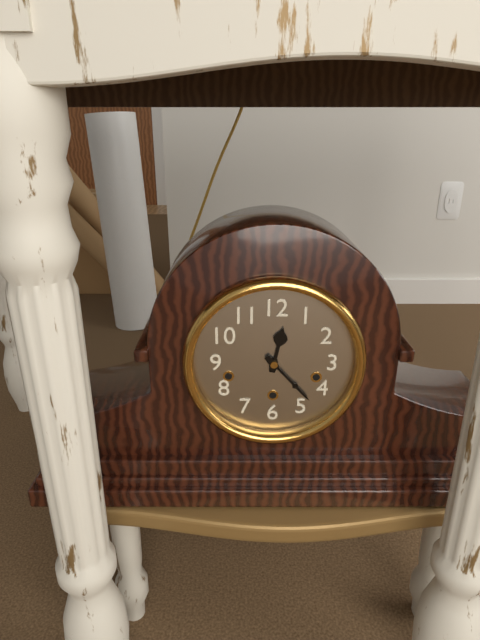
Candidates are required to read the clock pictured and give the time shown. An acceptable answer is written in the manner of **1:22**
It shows **12:23**
